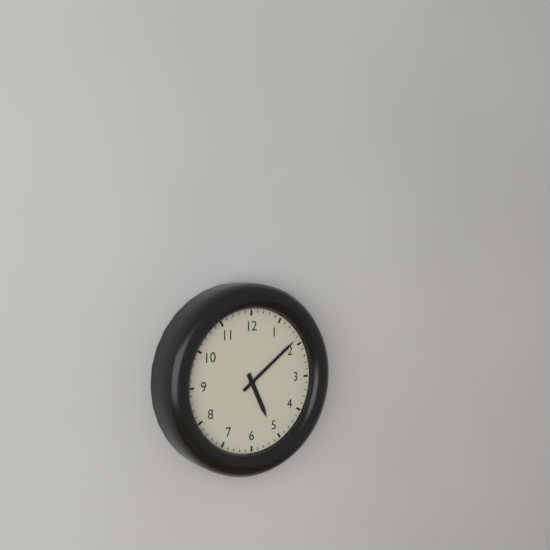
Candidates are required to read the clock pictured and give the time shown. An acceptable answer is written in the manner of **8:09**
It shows **5:09**
